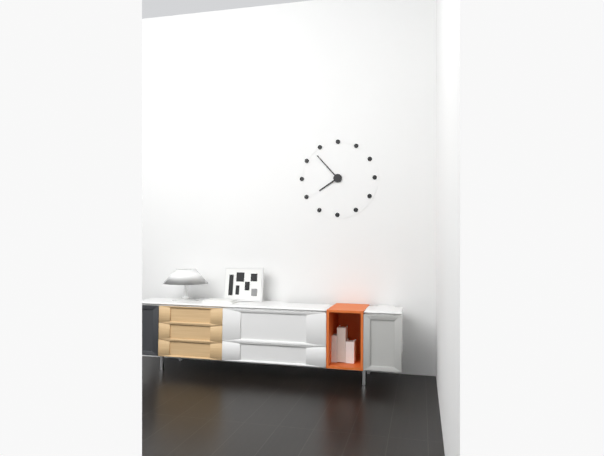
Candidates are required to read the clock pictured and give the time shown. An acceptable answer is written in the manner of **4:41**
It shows **7:53**
